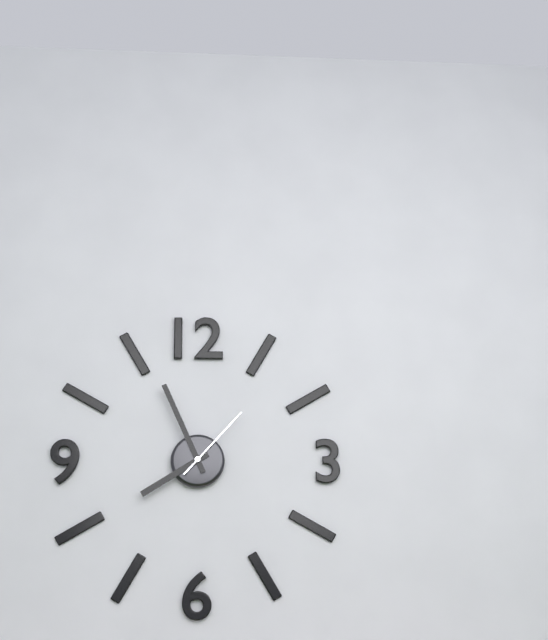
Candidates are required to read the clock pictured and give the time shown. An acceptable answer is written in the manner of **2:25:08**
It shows **7:56:07**
